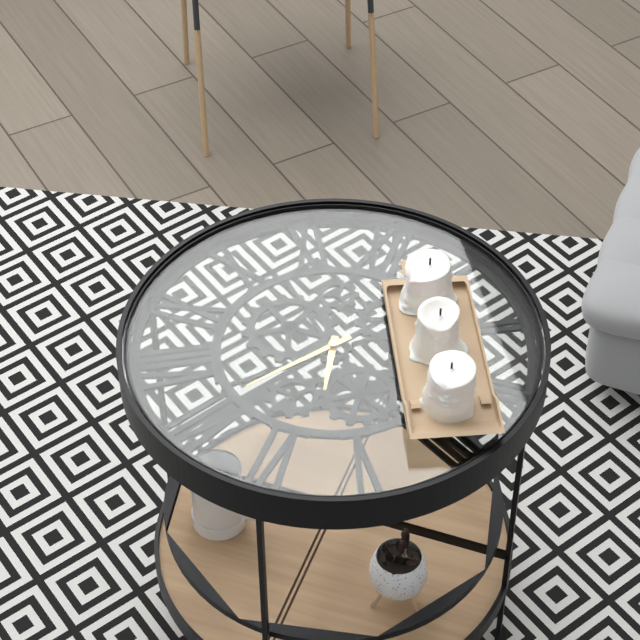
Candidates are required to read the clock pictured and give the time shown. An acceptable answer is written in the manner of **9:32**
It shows **5:36**
